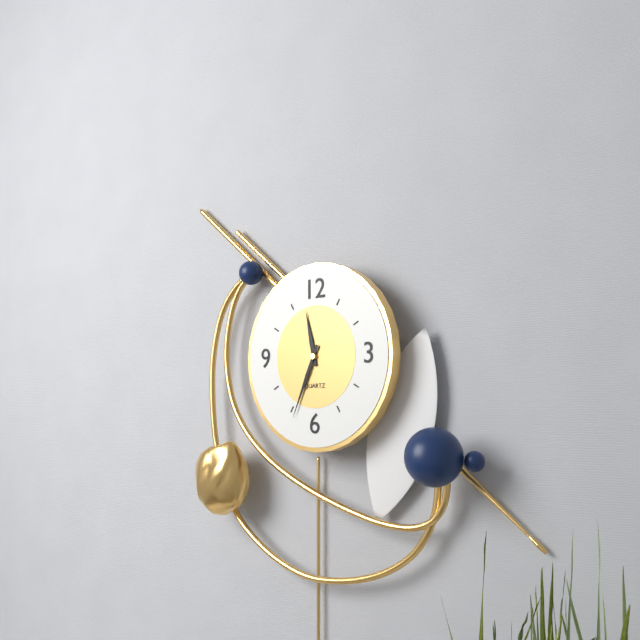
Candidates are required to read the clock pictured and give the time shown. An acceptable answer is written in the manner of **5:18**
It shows **11:34**
